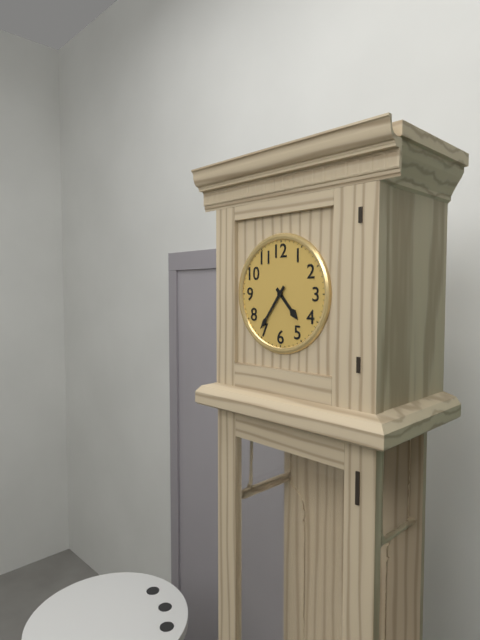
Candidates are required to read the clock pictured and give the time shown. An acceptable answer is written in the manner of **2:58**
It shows **4:36**
